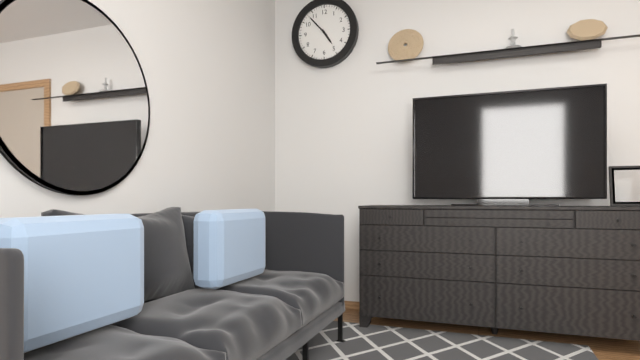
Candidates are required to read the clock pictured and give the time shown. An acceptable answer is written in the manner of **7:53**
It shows **4:53**
